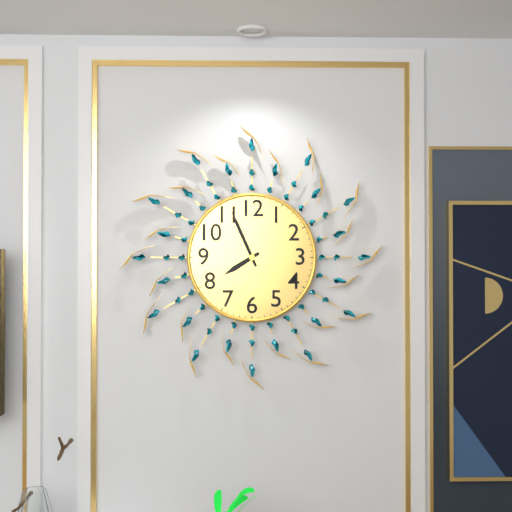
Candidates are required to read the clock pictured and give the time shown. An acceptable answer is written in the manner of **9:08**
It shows **7:56**
